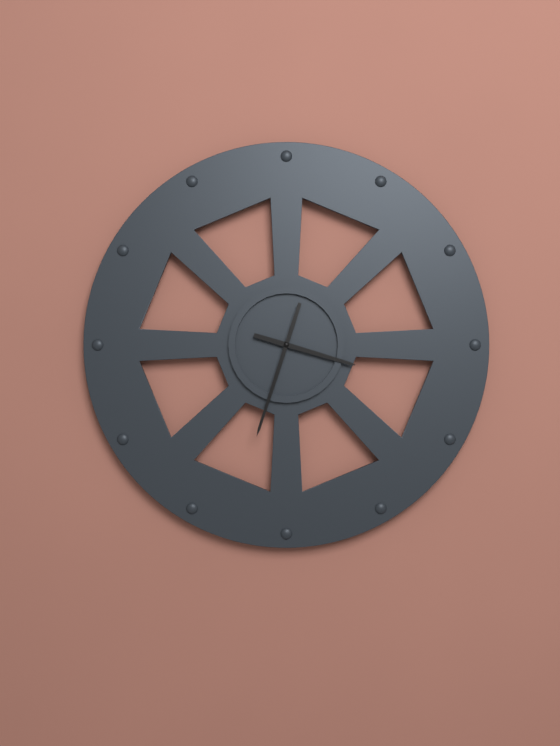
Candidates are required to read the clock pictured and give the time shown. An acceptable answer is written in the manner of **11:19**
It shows **3:33**
